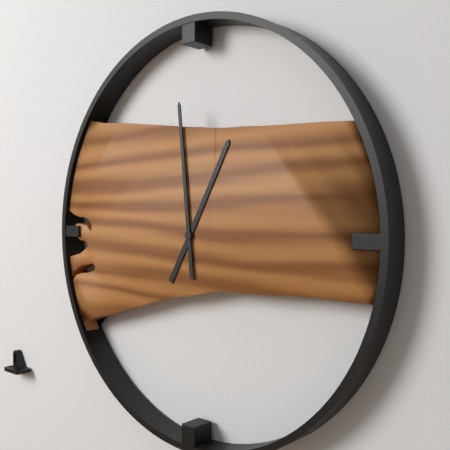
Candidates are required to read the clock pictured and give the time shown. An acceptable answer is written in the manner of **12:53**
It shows **12:59**
